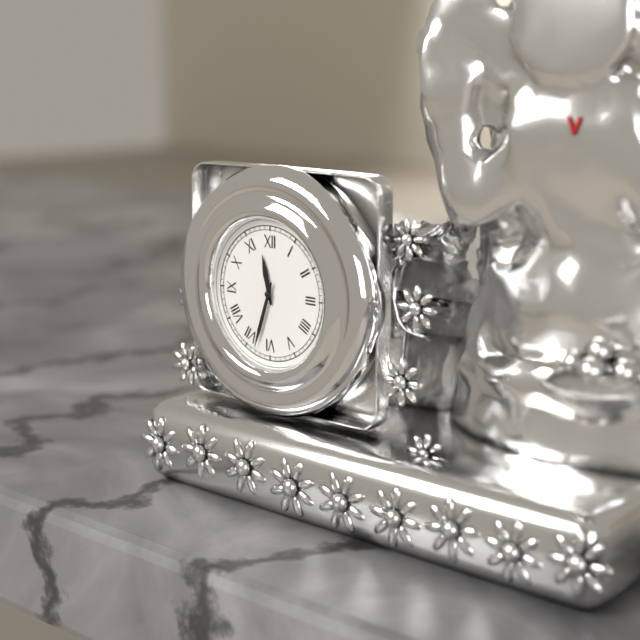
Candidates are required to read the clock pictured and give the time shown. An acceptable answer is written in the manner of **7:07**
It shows **11:33**
